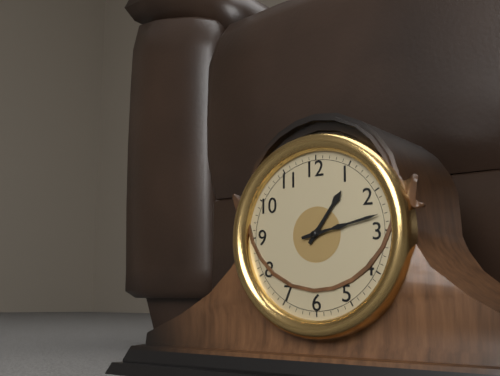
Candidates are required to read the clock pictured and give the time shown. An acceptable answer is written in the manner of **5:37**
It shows **1:13**
